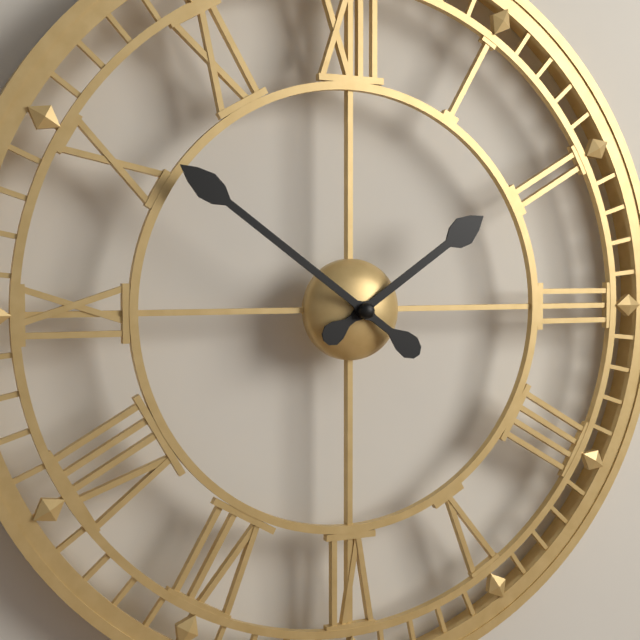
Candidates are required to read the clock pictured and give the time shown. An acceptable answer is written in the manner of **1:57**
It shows **1:51**
